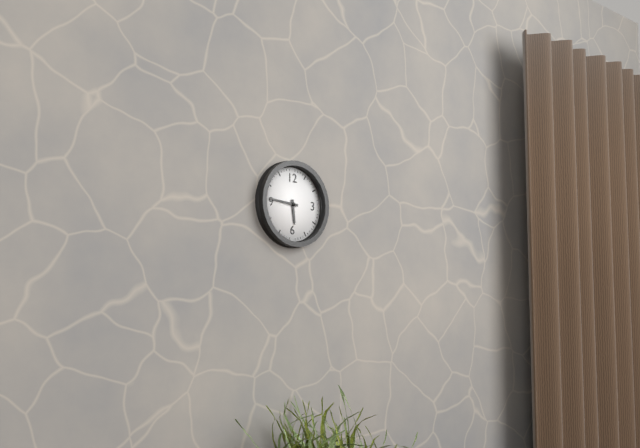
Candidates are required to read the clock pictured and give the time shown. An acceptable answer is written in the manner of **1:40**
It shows **5:46**
